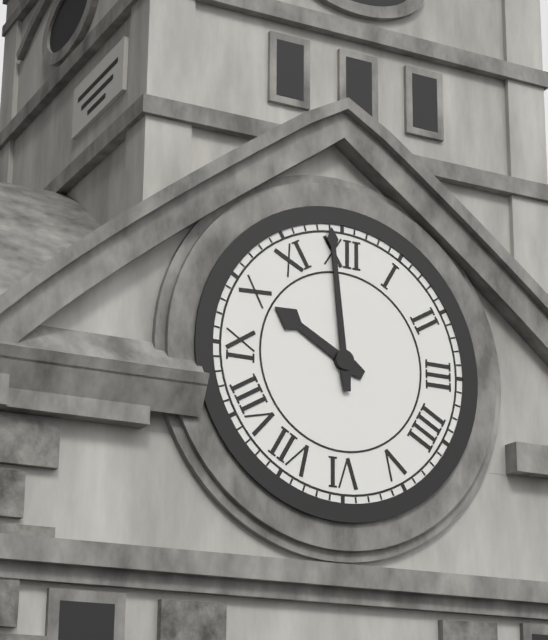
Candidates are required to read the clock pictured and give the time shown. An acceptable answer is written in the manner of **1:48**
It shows **9:59**
